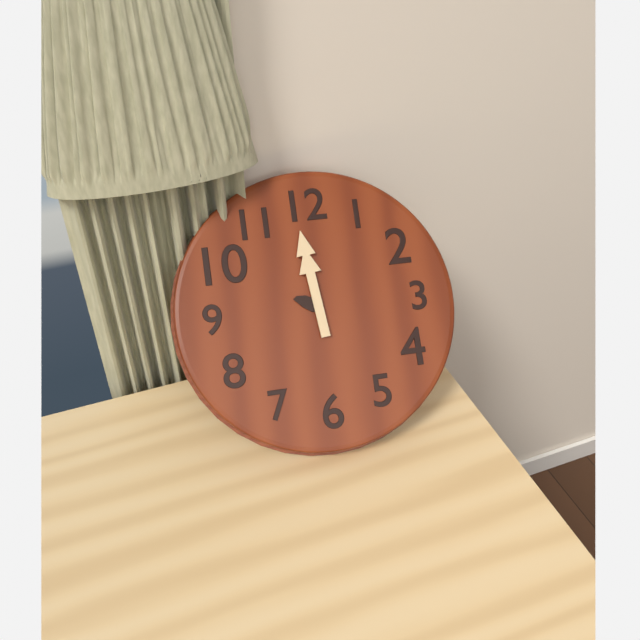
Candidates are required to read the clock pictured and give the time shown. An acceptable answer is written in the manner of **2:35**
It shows **9:59**
